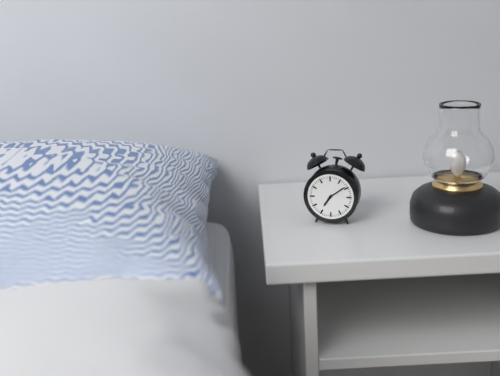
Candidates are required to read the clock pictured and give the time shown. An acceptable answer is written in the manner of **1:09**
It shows **7:09**
